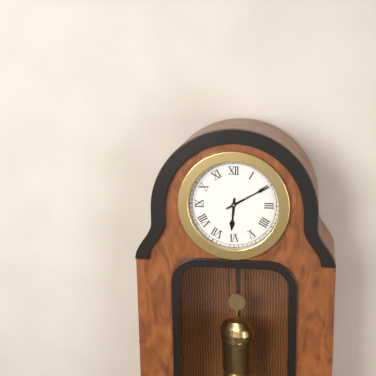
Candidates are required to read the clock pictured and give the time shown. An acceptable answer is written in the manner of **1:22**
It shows **6:10**
